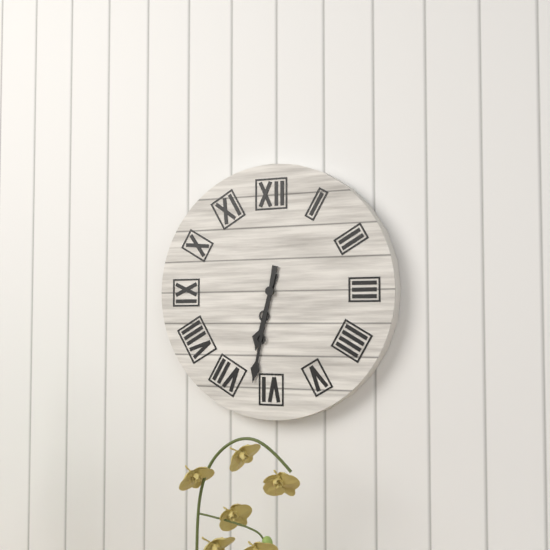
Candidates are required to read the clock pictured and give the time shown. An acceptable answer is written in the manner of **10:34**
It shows **6:32**
